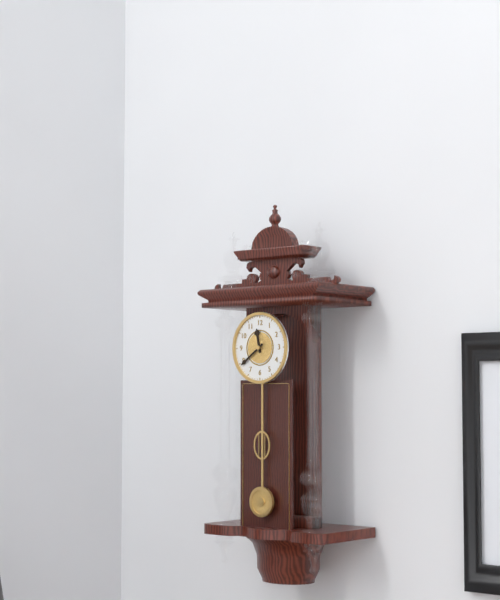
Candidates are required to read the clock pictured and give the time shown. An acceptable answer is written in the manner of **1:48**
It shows **11:39**
